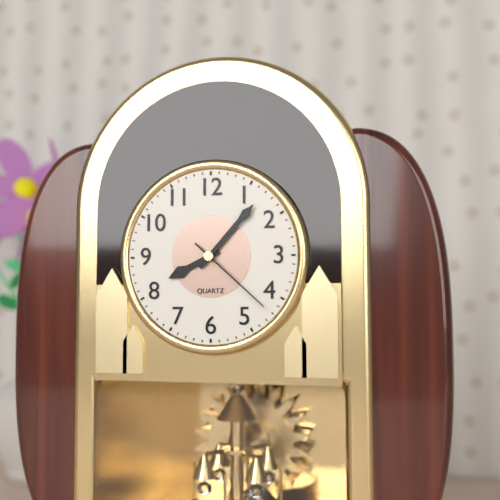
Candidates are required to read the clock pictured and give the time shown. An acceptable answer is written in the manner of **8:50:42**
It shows **8:07:22**
